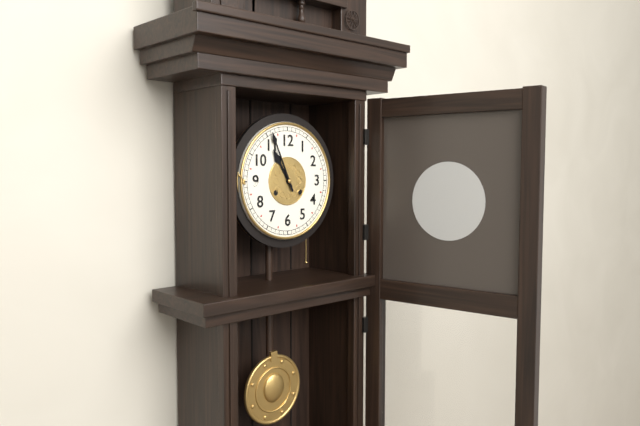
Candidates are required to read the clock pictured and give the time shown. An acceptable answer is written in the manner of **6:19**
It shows **10:56**
